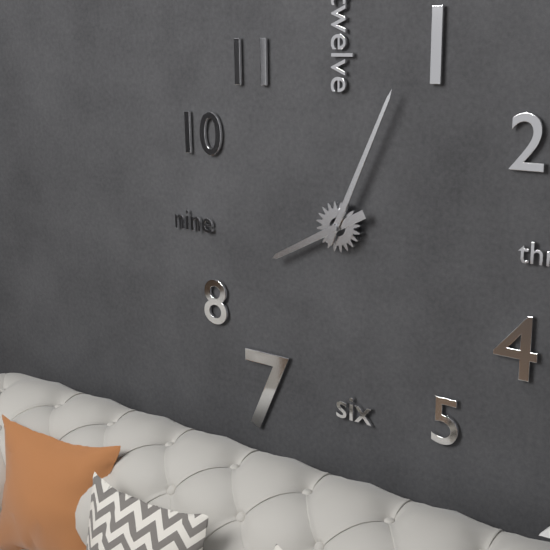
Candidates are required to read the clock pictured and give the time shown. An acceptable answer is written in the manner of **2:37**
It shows **8:04**
